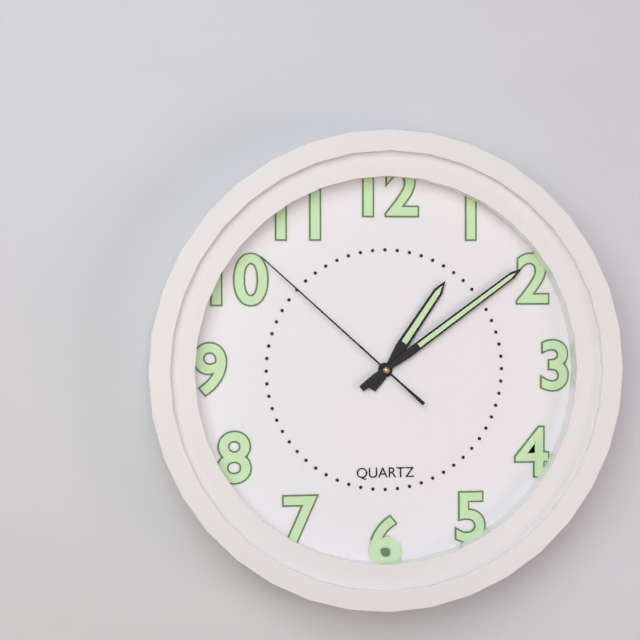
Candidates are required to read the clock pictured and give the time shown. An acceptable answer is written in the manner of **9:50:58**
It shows **1:09:52**
